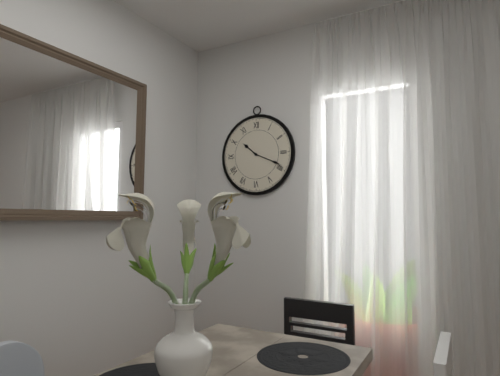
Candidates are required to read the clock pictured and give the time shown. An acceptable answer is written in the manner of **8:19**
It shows **10:19**
